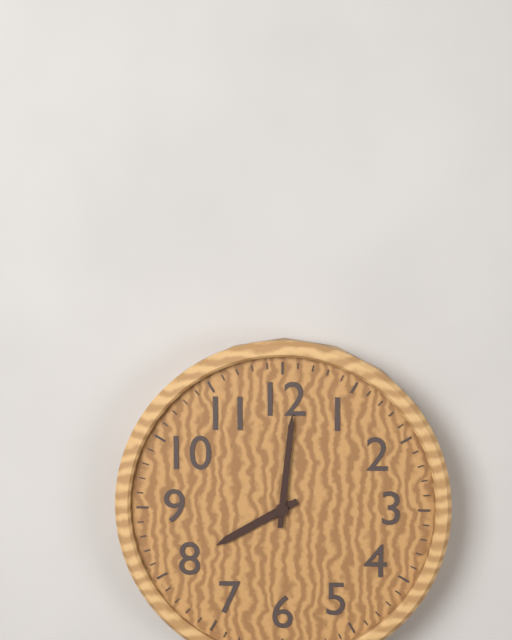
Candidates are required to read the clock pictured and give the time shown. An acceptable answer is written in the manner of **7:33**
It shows **8:01**
